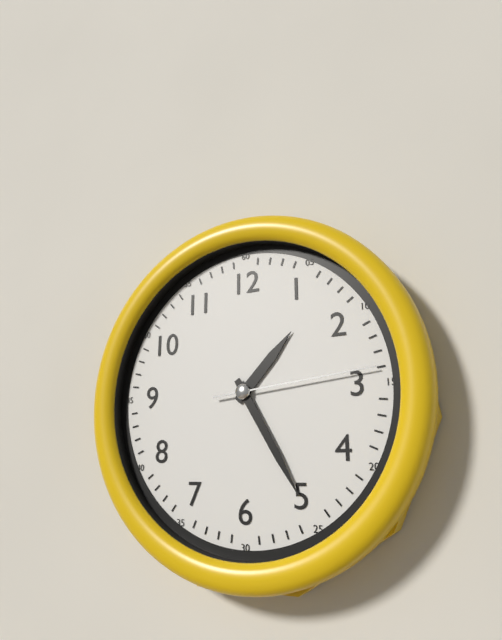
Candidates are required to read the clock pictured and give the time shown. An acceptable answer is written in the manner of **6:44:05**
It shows **1:25:14**
